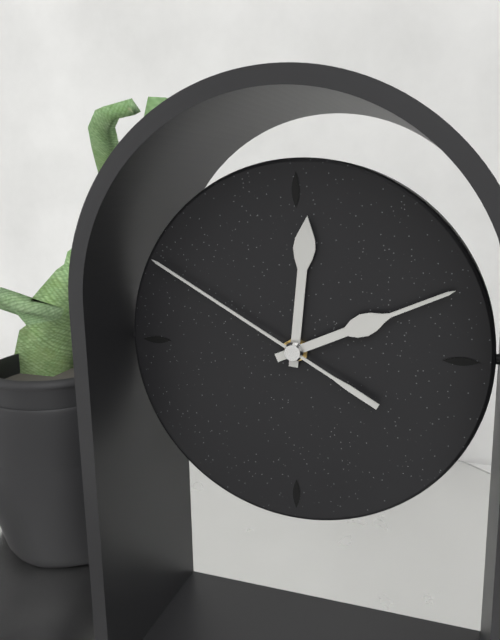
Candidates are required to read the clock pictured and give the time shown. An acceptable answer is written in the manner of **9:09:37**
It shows **12:11:50**
